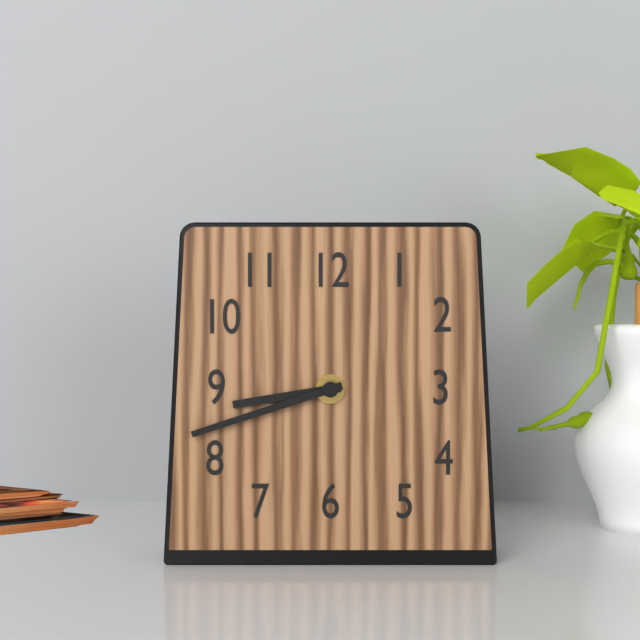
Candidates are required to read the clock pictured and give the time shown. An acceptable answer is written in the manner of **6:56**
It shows **8:42**
